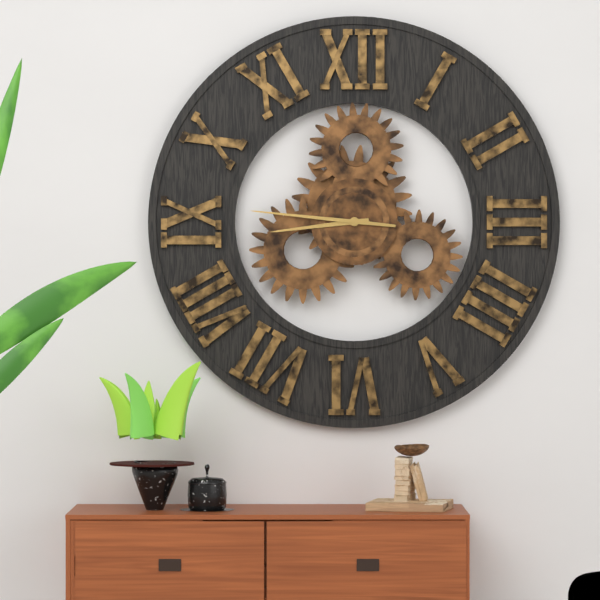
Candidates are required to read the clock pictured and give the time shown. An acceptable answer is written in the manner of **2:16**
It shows **8:46**
